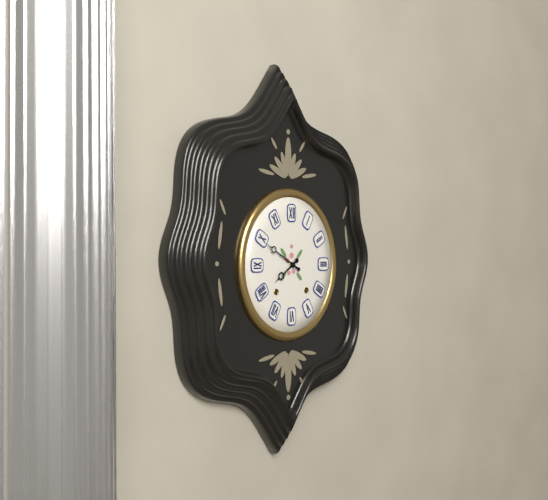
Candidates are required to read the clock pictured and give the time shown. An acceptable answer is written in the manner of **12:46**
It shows **7:50**
